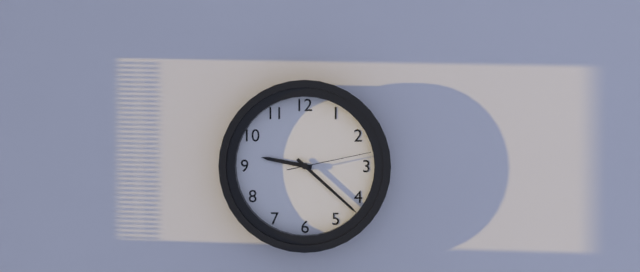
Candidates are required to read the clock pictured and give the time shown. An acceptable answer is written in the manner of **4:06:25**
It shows **9:22:13**
